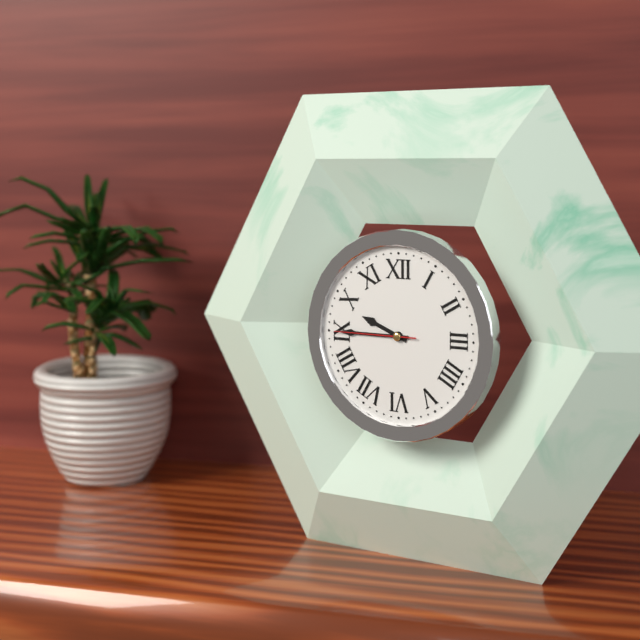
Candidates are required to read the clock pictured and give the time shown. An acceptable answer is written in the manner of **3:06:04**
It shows **9:45:45**
